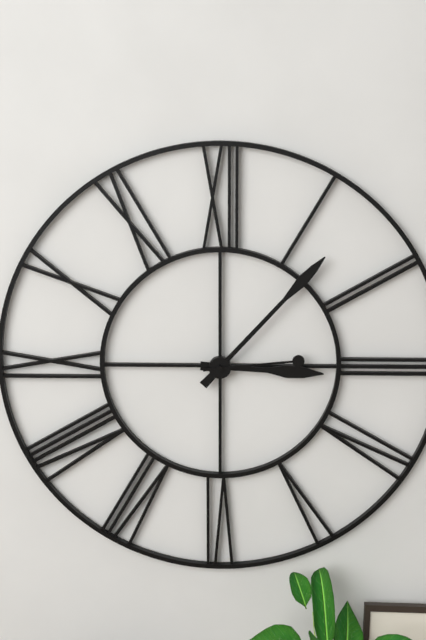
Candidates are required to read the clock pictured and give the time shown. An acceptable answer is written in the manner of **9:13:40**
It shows **3:07:14**
